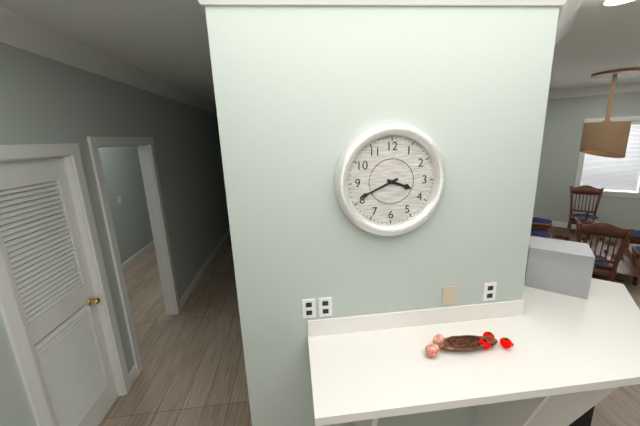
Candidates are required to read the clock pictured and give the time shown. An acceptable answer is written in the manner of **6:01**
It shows **3:41**
